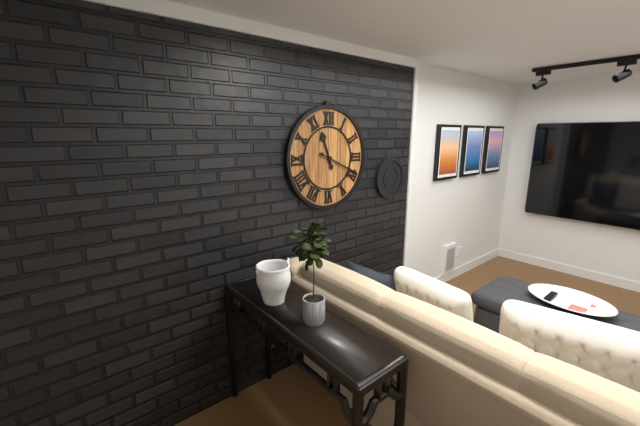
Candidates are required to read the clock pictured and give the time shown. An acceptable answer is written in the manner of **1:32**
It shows **11:19**
